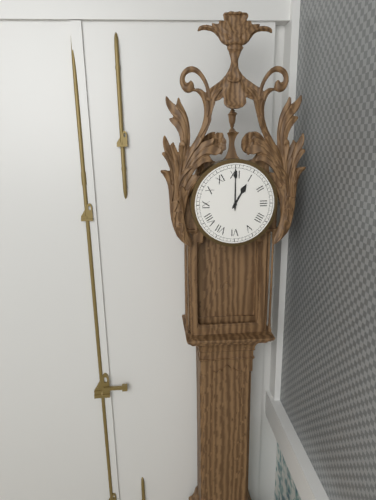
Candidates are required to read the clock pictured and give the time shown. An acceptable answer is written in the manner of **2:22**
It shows **1:00**
